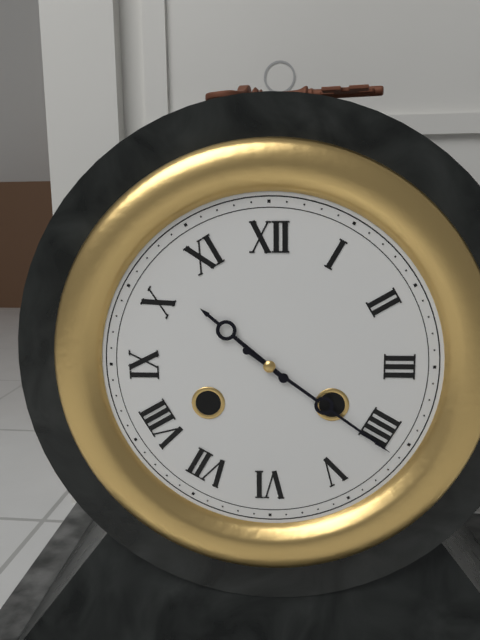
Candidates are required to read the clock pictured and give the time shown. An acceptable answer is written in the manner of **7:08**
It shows **10:21**
